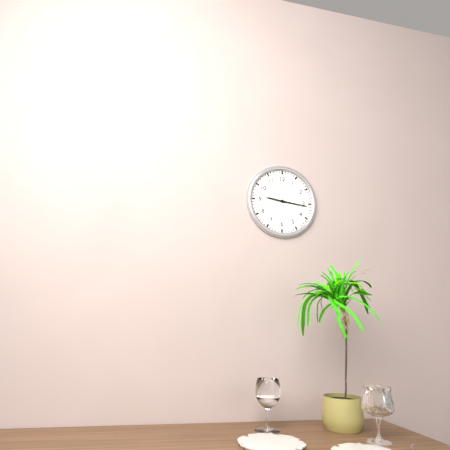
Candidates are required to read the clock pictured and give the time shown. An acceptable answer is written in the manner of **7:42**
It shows **9:16**
